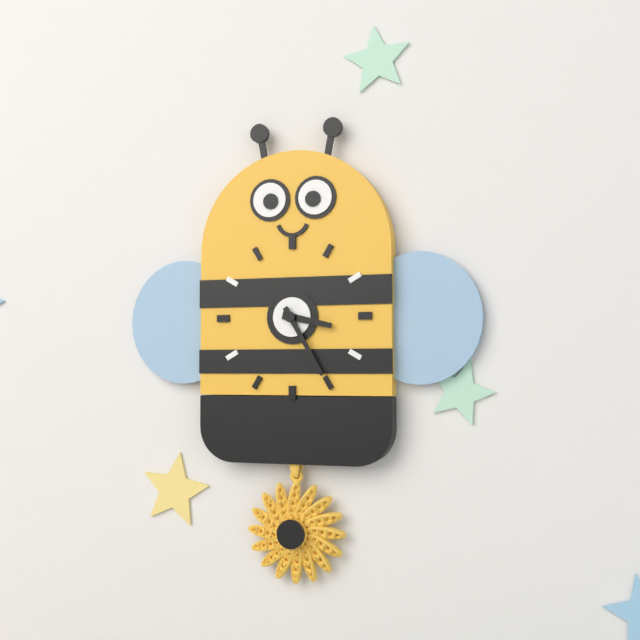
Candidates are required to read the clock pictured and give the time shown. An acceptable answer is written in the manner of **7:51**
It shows **3:25**
